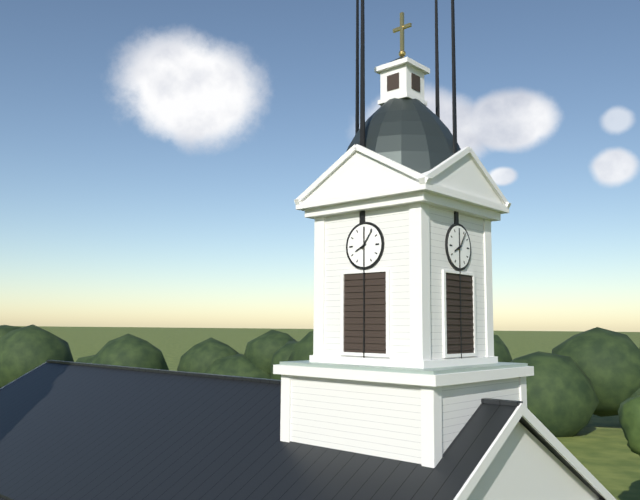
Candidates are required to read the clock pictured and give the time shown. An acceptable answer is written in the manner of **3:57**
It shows **8:06**
